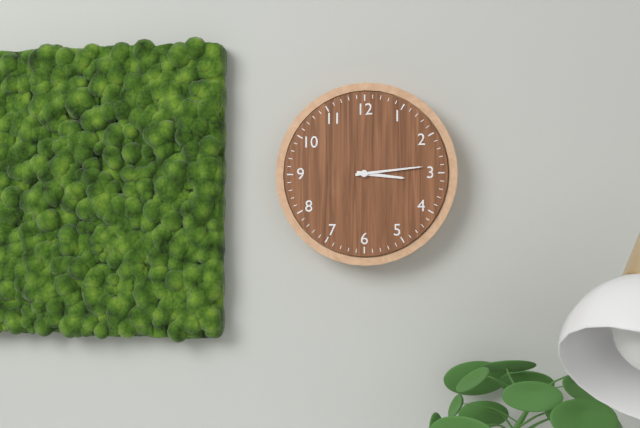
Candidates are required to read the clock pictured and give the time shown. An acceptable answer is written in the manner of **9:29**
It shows **3:14**
